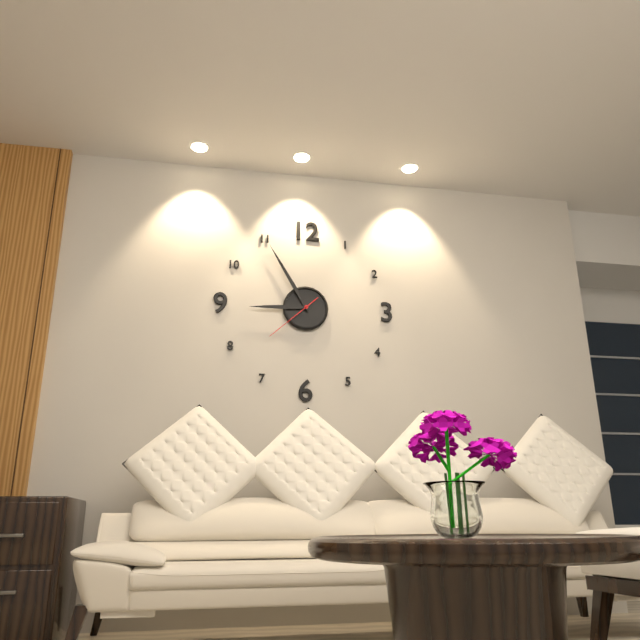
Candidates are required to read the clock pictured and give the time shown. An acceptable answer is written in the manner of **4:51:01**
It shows **8:55:38**
